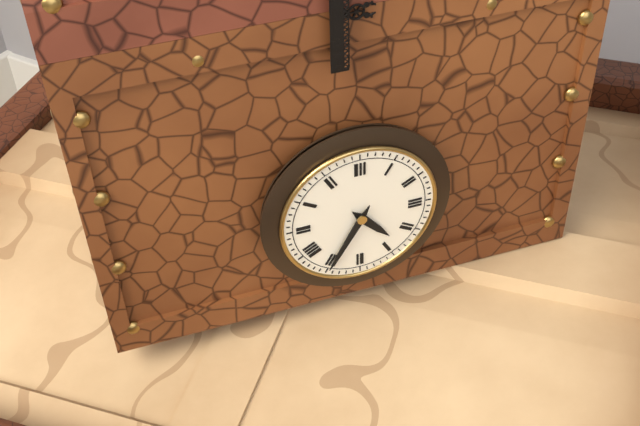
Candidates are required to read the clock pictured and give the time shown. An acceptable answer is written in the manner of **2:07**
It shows **4:35**
